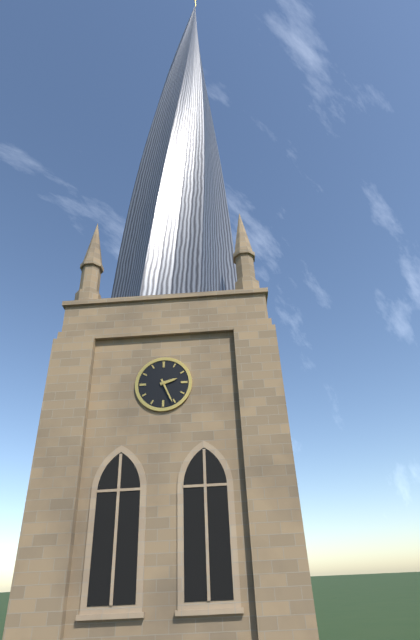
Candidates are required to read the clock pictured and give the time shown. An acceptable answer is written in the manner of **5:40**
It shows **2:26**
